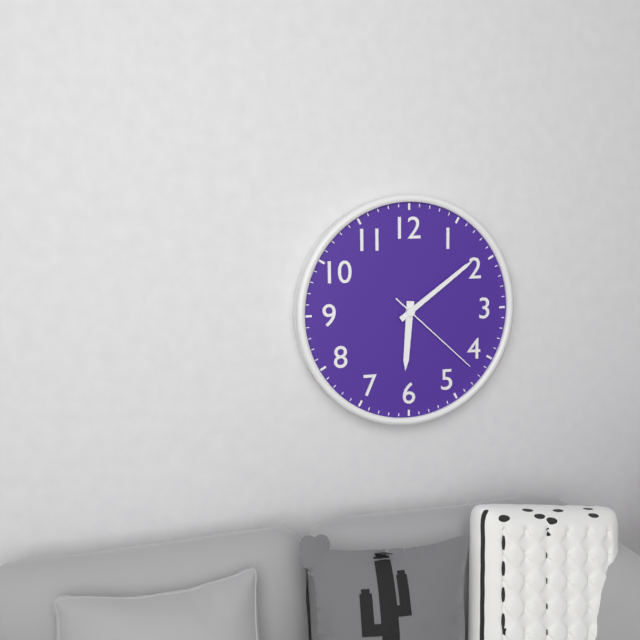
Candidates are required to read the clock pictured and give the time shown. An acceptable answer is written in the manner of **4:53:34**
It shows **6:09:22**
